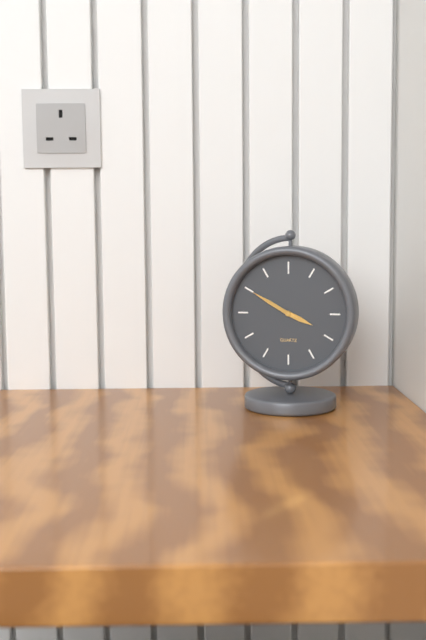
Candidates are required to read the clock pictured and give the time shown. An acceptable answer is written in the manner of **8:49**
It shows **3:50**
